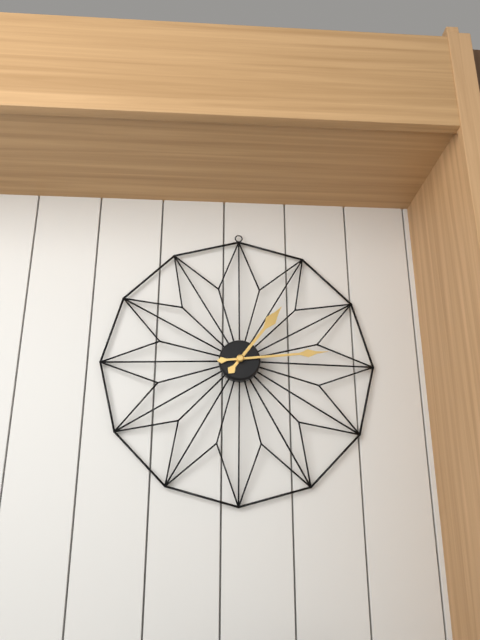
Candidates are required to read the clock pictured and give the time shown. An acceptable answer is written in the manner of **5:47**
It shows **1:14**
